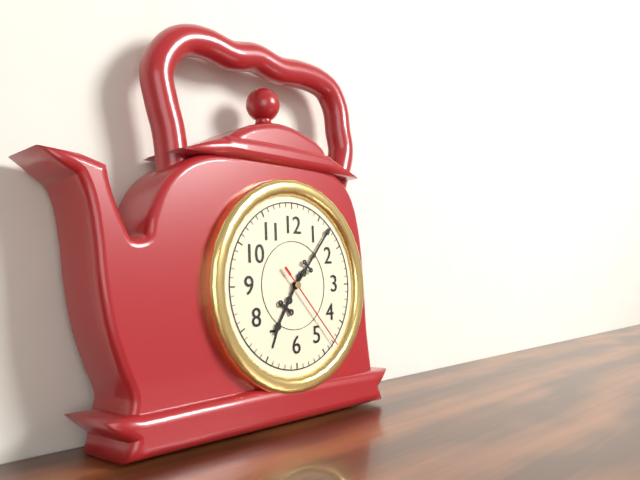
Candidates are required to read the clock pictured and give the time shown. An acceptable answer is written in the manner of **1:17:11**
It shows **7:07:23**
